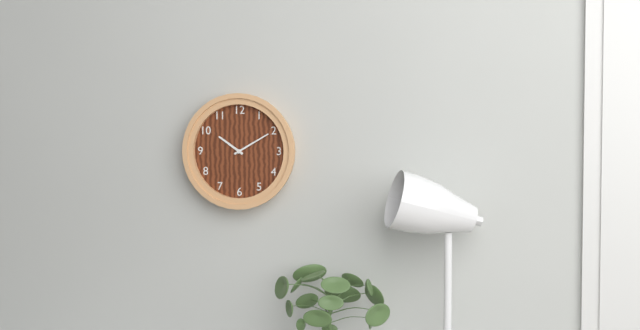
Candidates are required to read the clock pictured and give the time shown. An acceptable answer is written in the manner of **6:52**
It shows **10:10**
